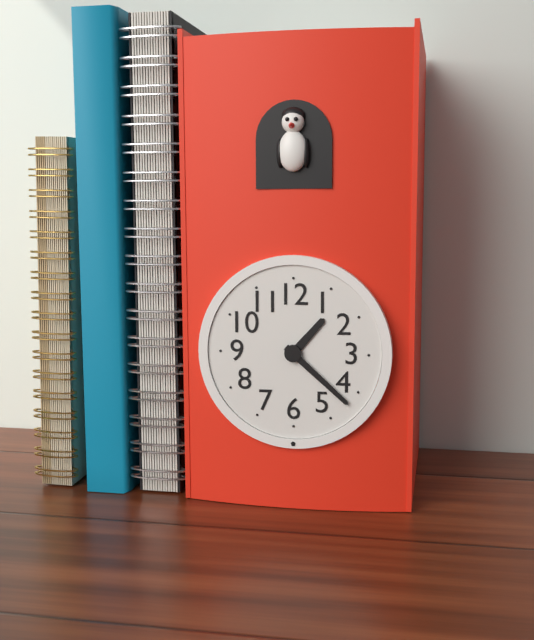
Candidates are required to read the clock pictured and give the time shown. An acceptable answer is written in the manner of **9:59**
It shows **1:22**
